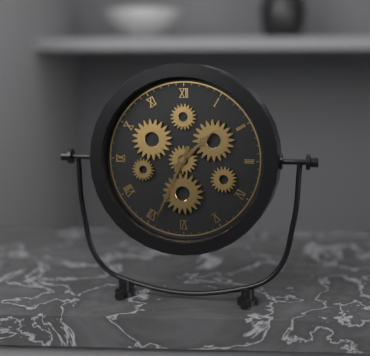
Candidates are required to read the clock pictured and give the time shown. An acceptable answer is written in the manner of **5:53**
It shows **1:34**
